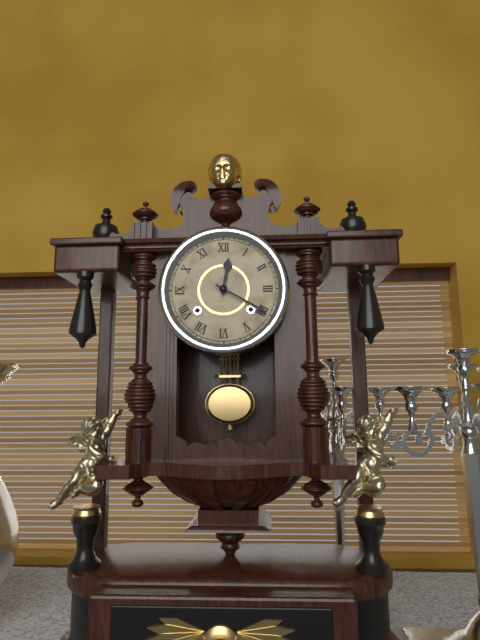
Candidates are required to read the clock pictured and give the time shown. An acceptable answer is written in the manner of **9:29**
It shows **12:20**
